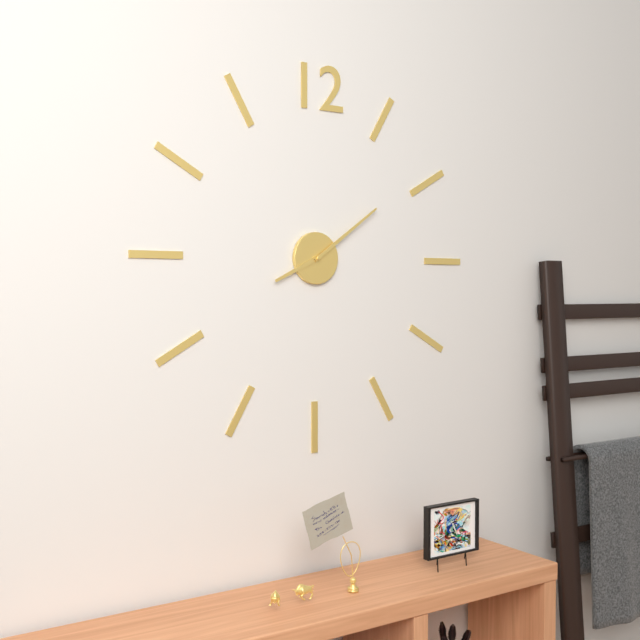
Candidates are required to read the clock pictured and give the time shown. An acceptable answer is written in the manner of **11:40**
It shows **8:09**
